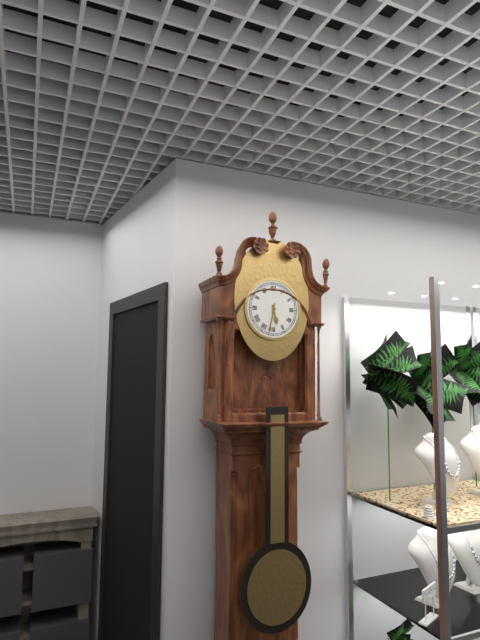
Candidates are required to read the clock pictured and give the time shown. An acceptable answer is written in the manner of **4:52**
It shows **5:32**
